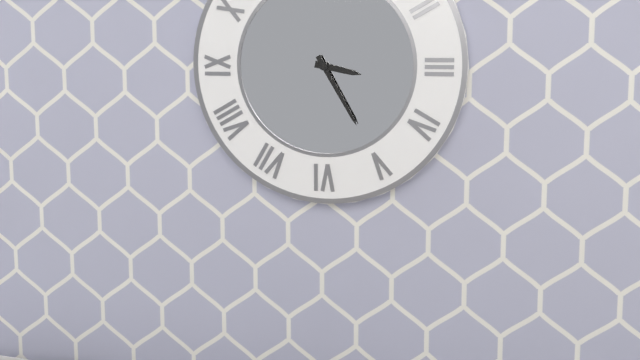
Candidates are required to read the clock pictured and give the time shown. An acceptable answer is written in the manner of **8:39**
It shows **3:25**
